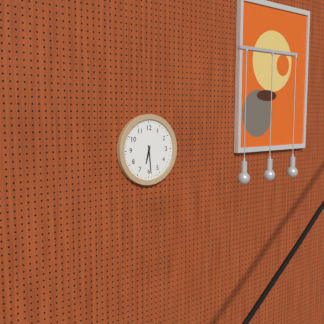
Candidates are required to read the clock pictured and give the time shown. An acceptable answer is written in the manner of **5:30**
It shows **6:29**
